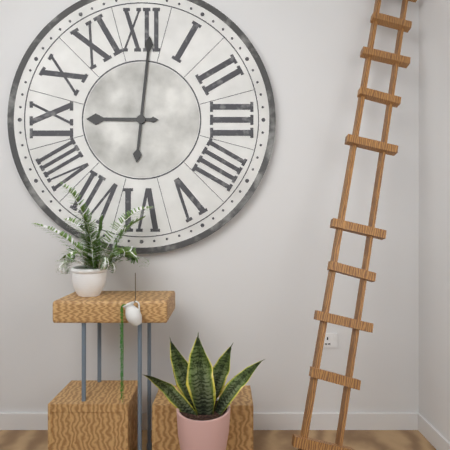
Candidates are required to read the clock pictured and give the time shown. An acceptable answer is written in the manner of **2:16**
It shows **9:01**
